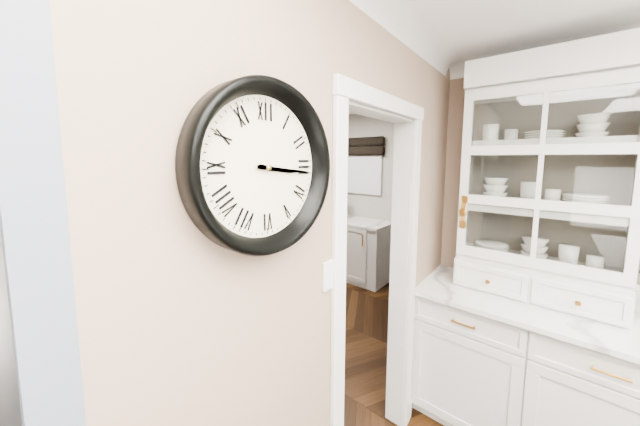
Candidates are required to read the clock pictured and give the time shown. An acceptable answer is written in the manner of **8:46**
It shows **3:16**
